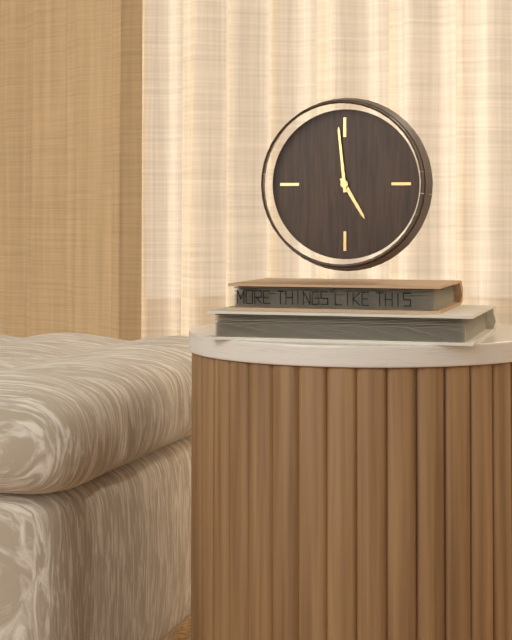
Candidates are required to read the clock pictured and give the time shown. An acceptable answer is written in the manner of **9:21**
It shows **4:59**
